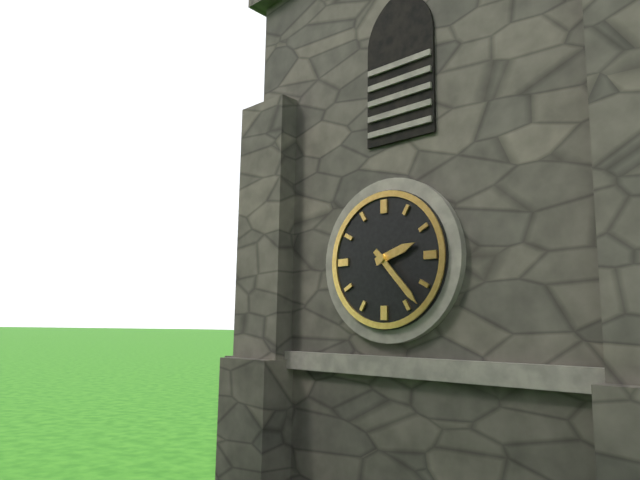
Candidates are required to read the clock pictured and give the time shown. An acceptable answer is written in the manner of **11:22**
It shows **2:23**
